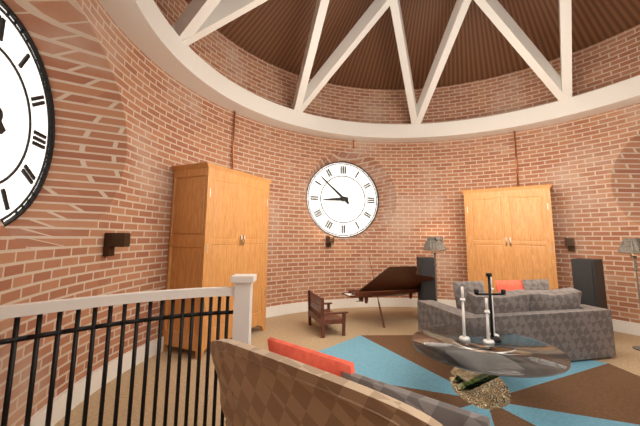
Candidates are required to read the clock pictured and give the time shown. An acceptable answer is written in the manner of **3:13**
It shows **8:52**
